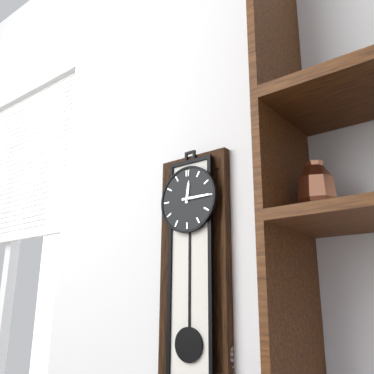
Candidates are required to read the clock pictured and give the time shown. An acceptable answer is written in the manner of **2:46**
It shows **12:15**
